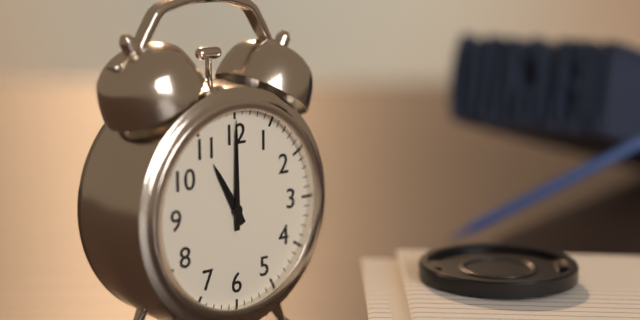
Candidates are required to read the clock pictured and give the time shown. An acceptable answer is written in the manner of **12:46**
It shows **11:00**
